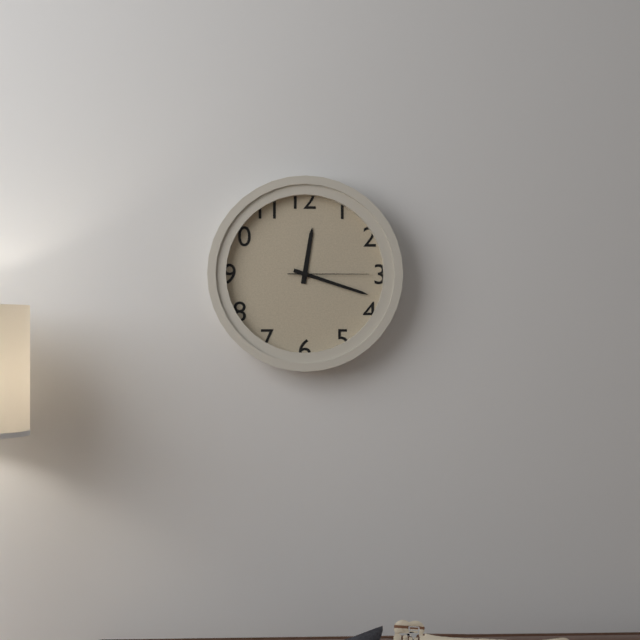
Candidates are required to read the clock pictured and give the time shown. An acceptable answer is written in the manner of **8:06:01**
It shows **12:18:15**
